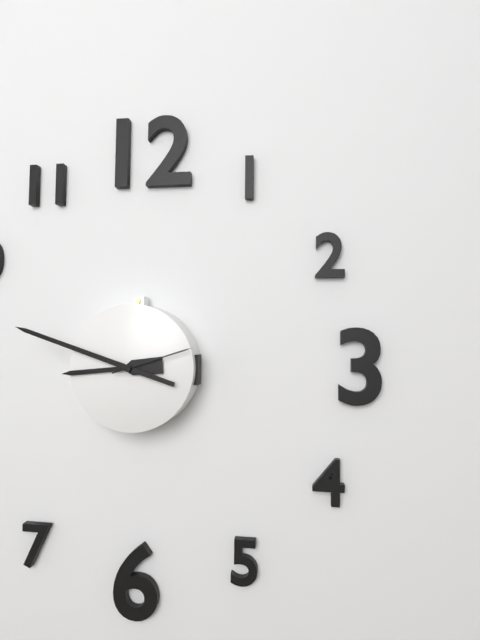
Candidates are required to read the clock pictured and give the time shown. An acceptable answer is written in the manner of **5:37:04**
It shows **8:48:12**
